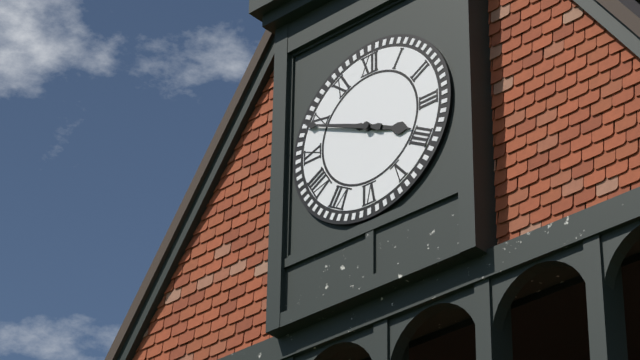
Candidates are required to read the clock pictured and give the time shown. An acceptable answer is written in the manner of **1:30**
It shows **3:49**
